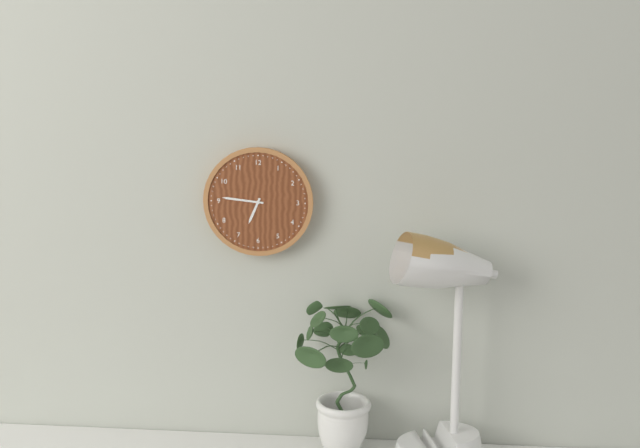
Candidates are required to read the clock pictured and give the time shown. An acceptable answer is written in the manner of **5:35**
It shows **6:46**
